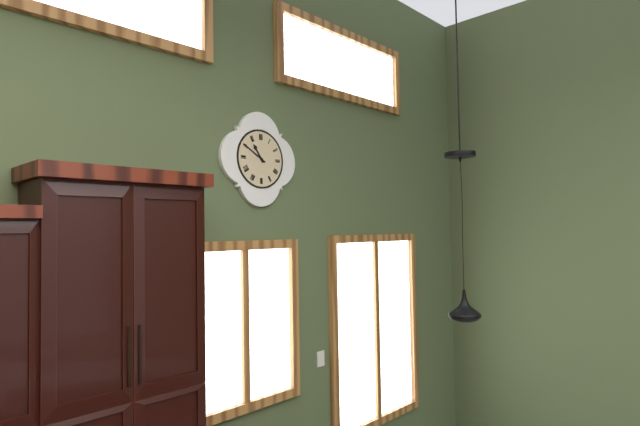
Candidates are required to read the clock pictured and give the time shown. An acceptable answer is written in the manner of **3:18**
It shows **10:50**
